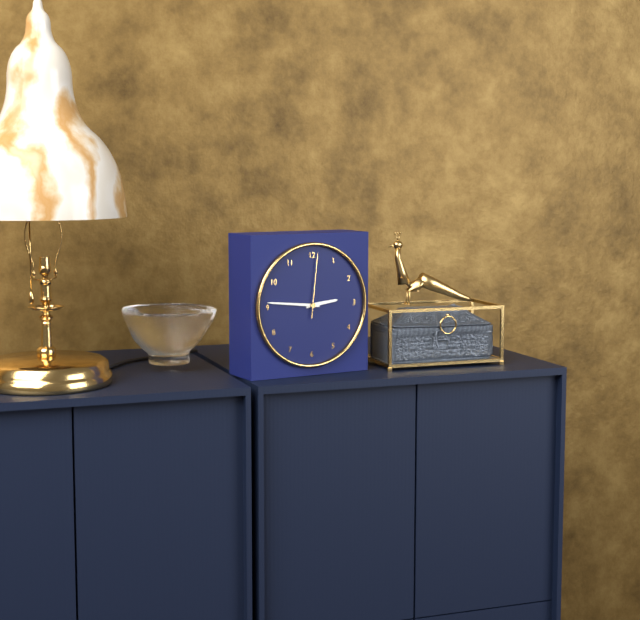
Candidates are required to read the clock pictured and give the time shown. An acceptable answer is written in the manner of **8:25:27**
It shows **2:46:01**
